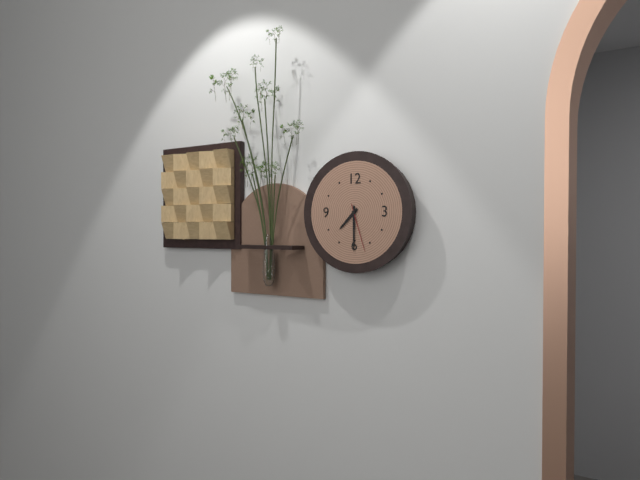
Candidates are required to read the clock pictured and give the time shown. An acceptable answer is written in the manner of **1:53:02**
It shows **7:30:27**
